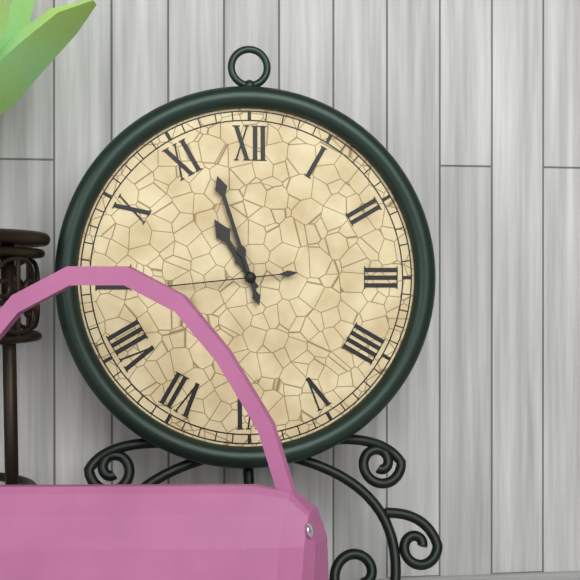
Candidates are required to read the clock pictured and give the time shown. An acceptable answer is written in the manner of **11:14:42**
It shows **10:57:44**
